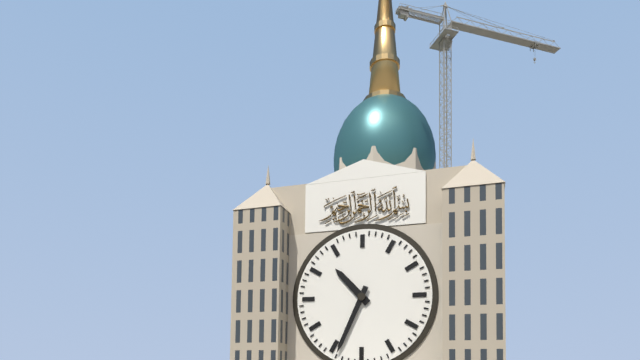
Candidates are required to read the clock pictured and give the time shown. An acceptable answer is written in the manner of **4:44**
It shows **10:34**
